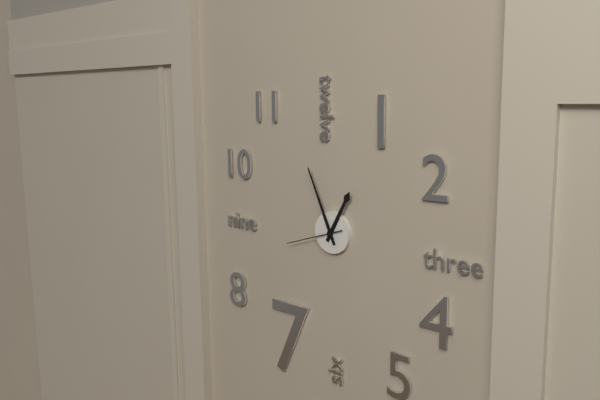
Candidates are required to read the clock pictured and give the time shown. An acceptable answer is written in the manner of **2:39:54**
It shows **12:56:42**
